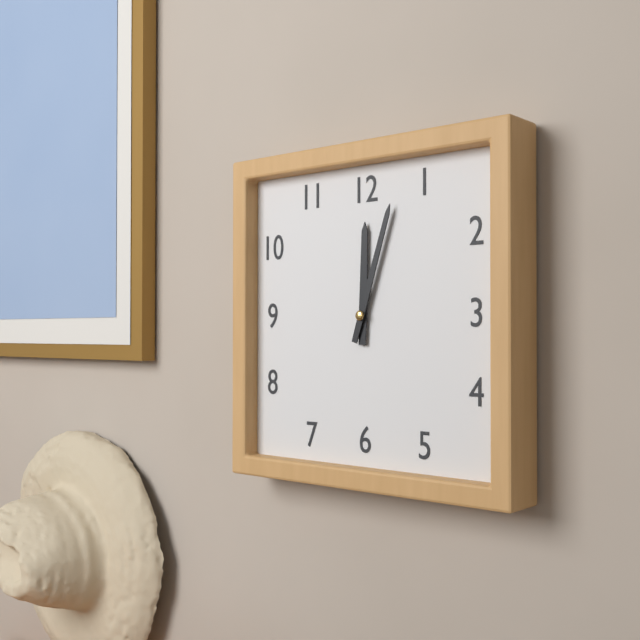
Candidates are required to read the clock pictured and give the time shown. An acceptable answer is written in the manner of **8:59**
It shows **12:03**
